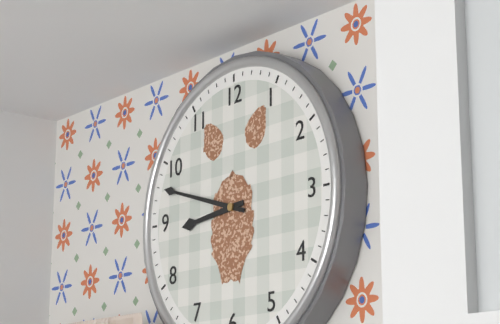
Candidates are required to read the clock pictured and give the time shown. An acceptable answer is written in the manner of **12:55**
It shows **8:48**
